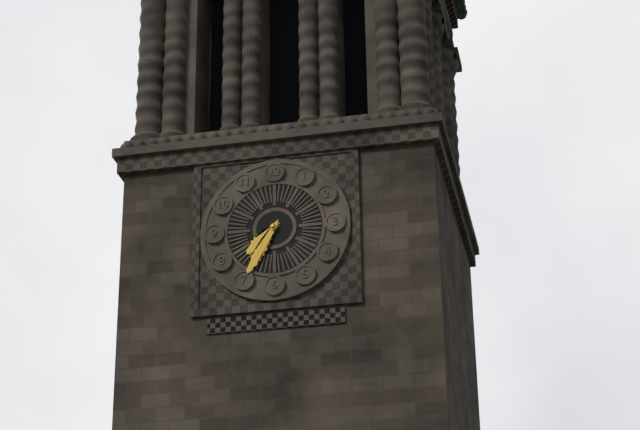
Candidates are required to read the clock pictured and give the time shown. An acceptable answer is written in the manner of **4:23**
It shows **7:35**
